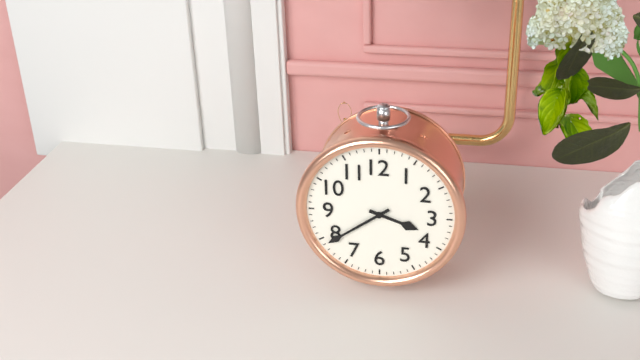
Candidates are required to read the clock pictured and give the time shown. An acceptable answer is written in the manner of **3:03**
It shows **3:39**
